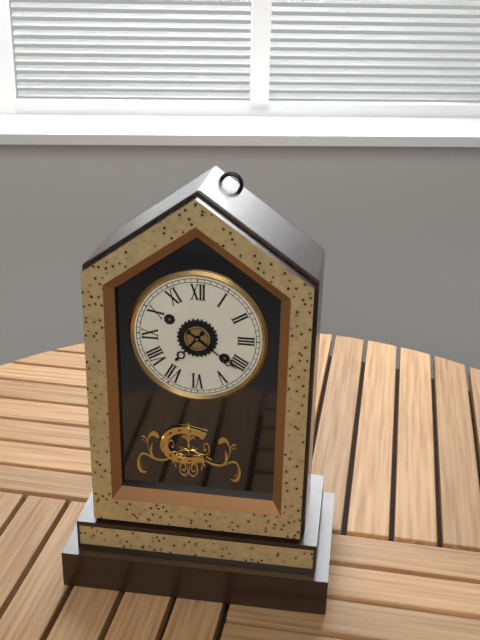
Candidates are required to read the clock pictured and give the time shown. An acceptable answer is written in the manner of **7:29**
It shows **7:21**
